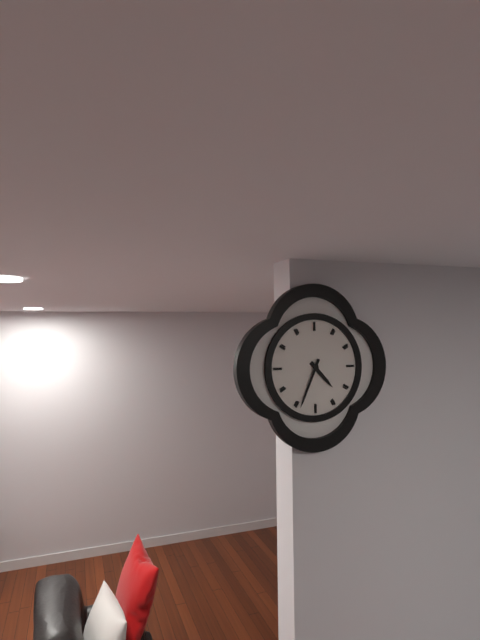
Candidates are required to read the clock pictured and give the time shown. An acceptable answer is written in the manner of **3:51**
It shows **4:34**
